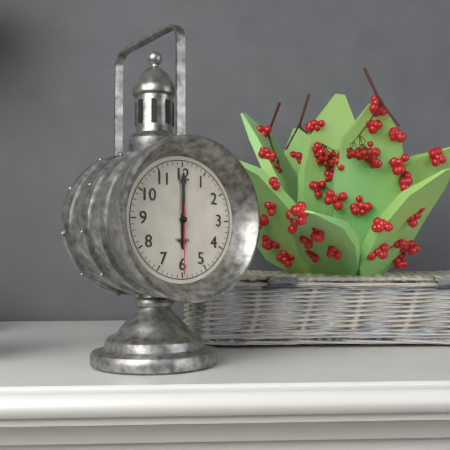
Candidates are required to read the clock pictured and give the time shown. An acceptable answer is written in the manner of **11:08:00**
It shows **6:00:30**
